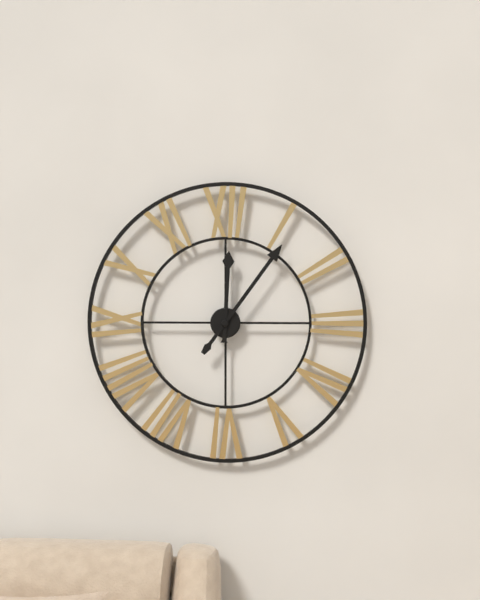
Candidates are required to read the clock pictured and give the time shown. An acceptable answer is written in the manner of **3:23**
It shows **12:06**
